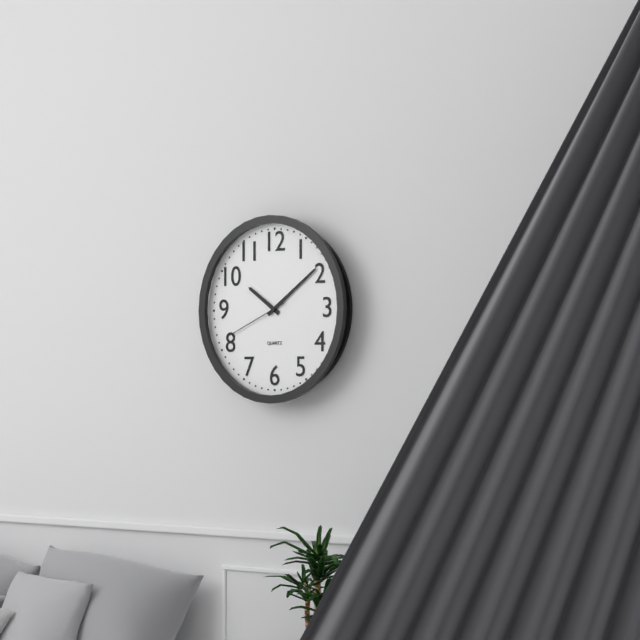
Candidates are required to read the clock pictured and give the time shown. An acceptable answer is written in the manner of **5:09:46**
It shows **10:09:41**
